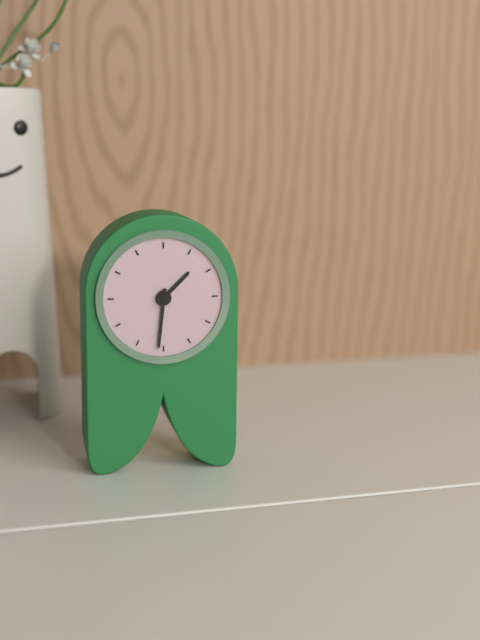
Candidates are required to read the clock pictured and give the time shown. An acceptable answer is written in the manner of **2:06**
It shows **1:31**
